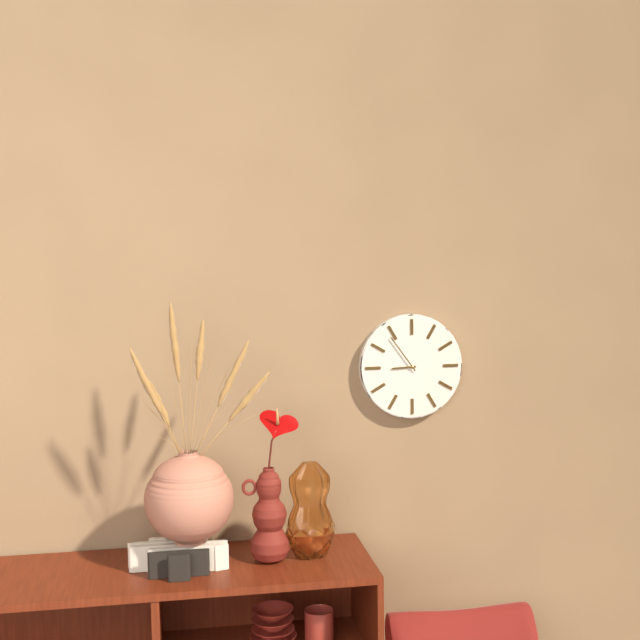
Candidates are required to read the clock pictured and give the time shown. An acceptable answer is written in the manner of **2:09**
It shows **8:54**
